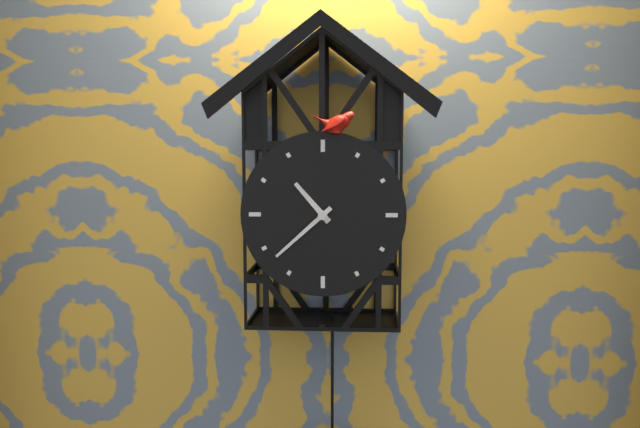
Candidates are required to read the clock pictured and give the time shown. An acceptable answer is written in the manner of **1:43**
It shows **10:38**
